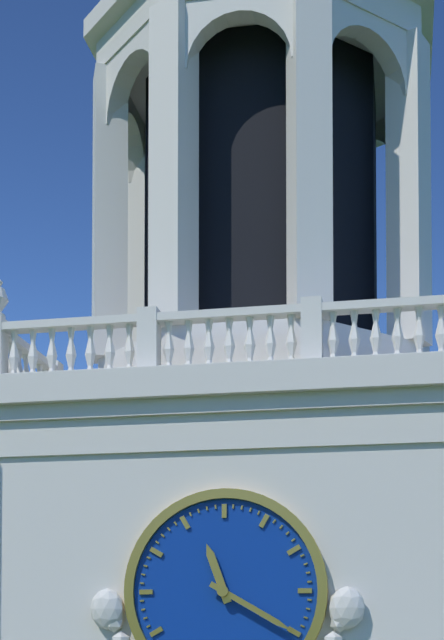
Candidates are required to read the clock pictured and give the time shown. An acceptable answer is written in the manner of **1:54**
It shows **11:20**
